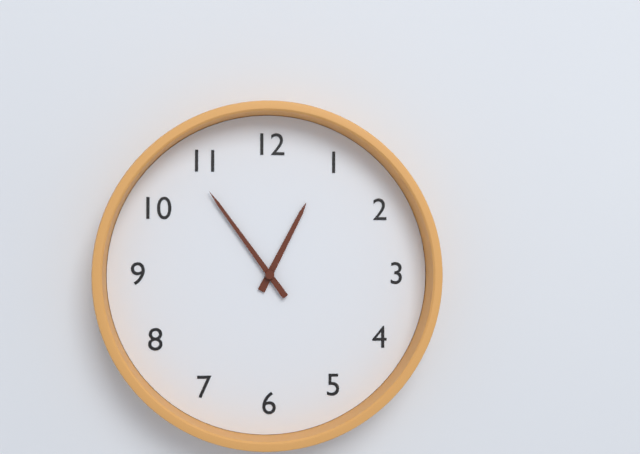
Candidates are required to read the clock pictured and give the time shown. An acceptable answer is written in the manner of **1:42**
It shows **12:54**
